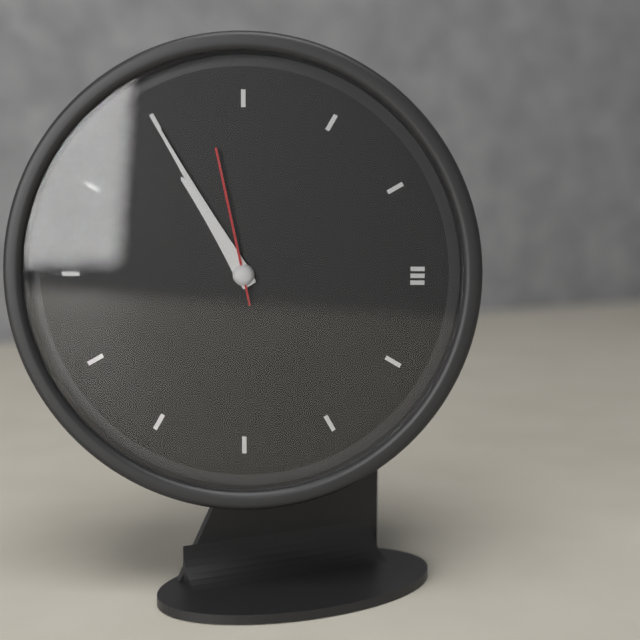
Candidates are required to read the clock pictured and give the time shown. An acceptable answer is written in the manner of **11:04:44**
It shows **10:55:58**
